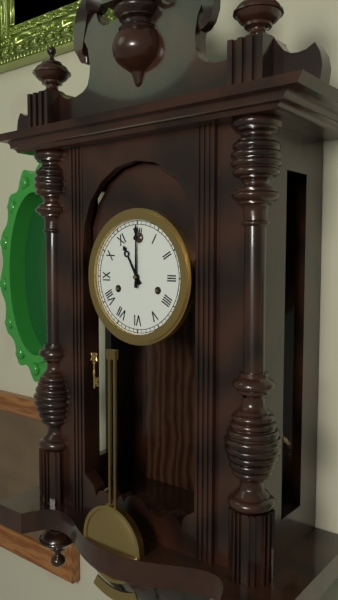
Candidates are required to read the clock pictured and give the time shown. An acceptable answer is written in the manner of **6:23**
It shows **11:00**
